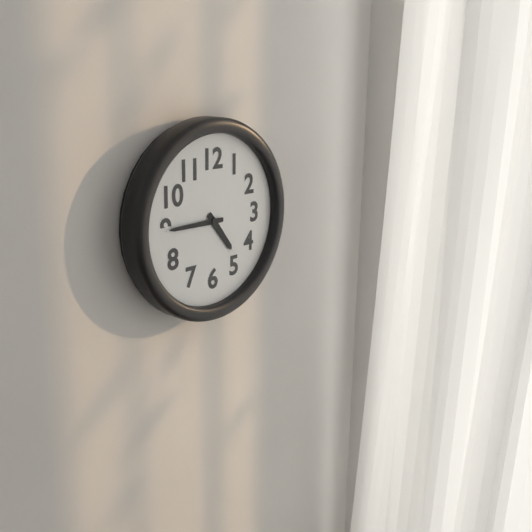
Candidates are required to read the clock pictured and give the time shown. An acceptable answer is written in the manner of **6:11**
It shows **4:45**
